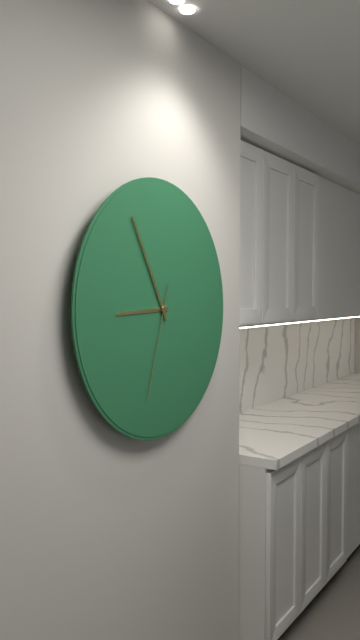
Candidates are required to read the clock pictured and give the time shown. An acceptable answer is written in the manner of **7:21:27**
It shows **8:55:33**
